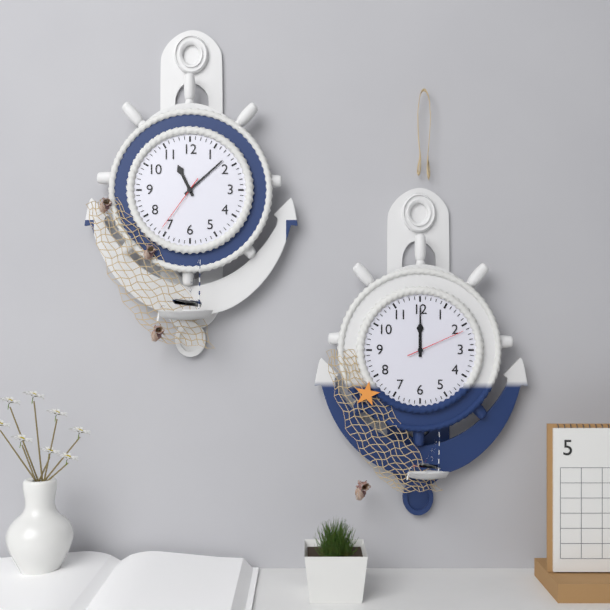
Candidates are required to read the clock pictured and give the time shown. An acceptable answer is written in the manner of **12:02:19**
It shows **11:08:36**
